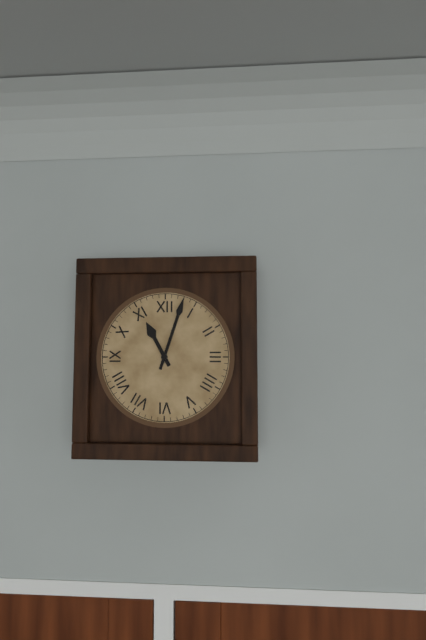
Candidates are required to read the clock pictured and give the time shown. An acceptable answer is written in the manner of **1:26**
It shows **11:03**
